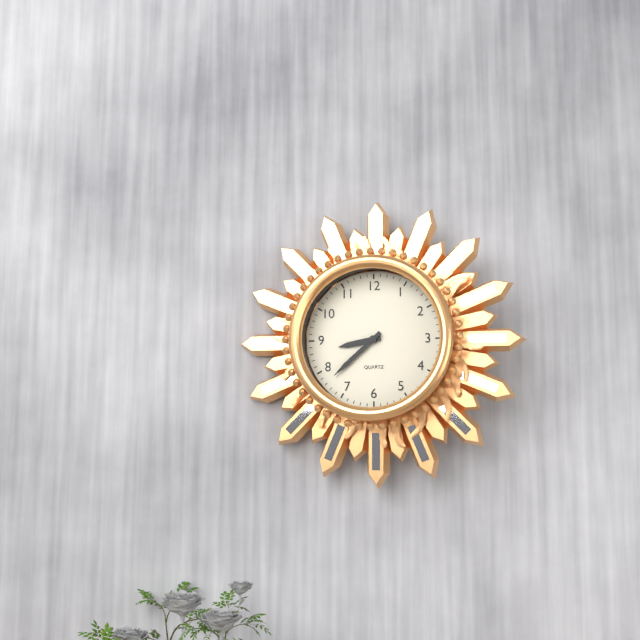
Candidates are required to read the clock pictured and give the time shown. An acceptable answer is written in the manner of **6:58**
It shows **8:38**
